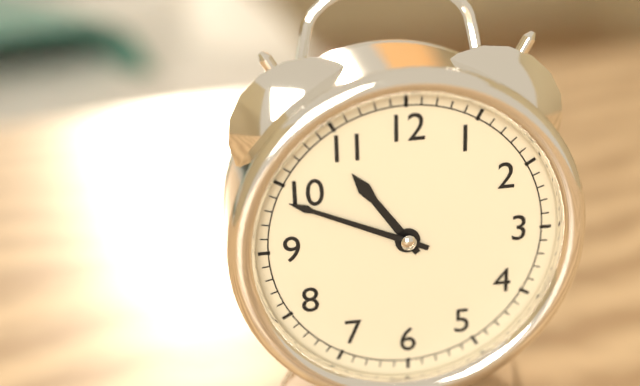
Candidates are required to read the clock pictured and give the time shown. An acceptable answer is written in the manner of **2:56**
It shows **10:49**
